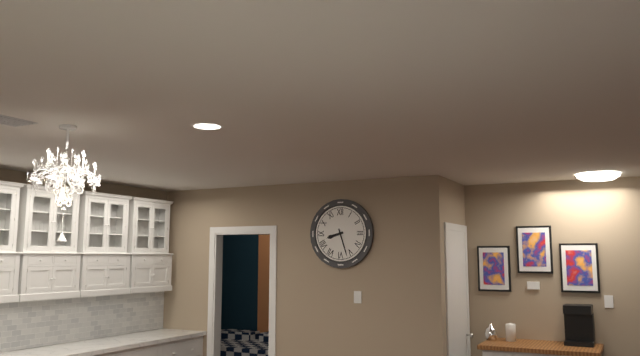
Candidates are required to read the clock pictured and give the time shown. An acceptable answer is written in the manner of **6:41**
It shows **8:27**
